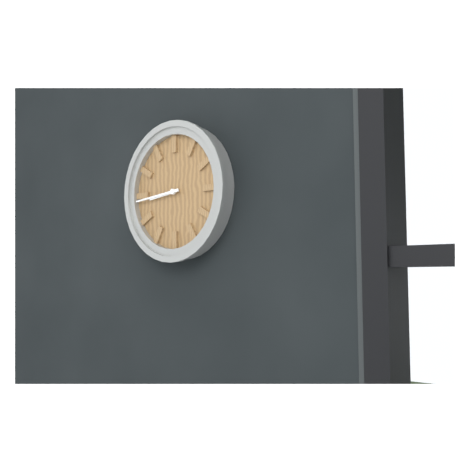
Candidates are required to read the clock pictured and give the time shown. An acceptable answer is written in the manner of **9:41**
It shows **8:44**
